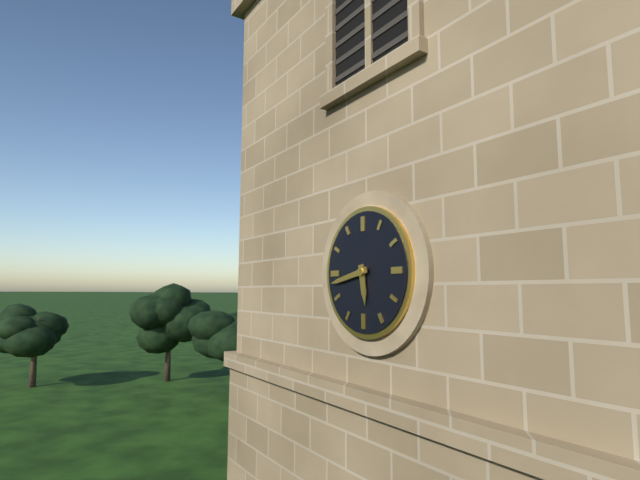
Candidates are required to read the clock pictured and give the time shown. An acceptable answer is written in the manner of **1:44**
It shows **5:43**
